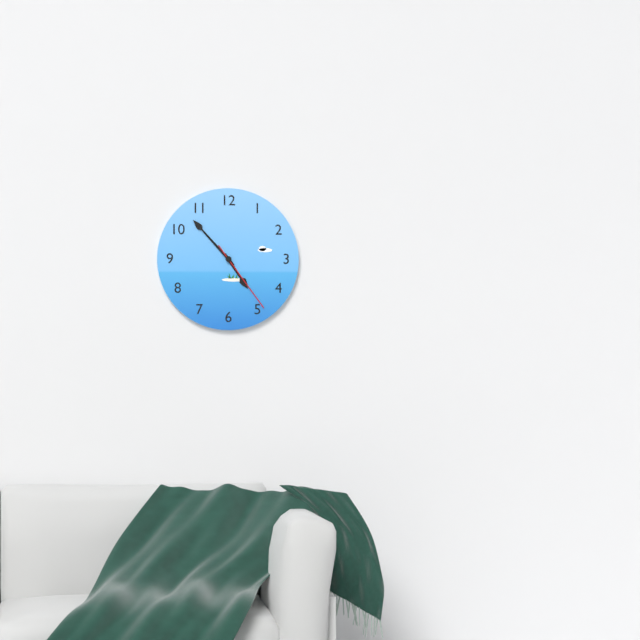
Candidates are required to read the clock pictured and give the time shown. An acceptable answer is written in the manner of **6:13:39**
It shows **4:53:24**
